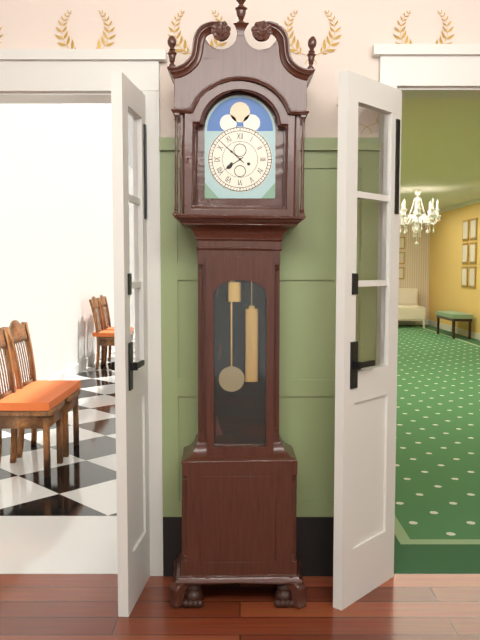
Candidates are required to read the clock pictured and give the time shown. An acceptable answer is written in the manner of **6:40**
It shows **7:52**
